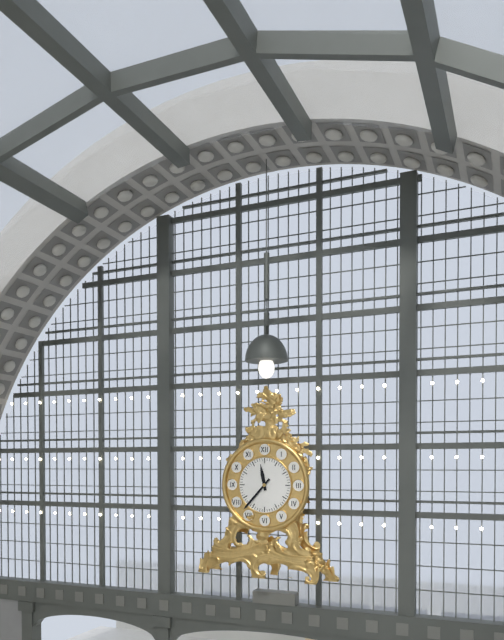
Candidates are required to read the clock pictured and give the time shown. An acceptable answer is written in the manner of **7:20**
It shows **11:37**
